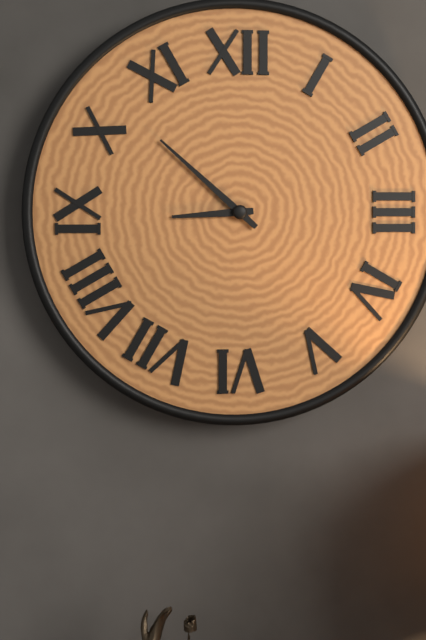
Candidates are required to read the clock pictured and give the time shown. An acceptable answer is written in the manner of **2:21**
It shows **8:52**
